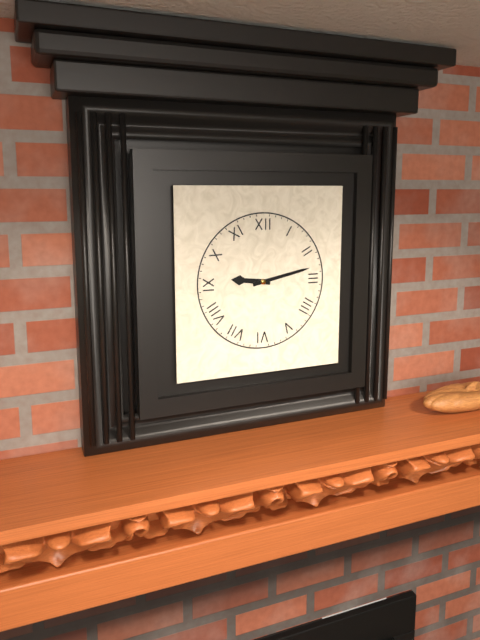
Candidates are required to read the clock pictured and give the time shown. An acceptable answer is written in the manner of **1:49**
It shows **9:13**
